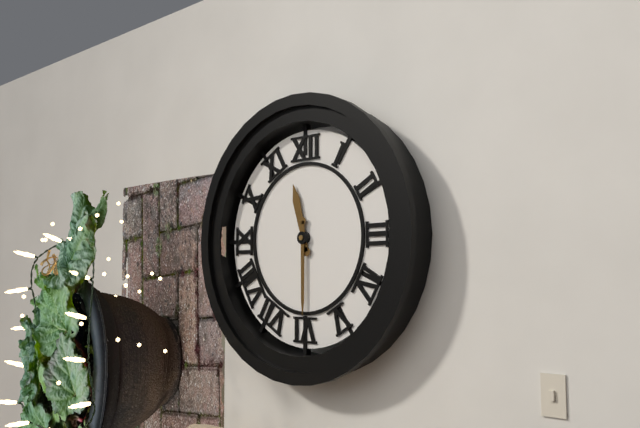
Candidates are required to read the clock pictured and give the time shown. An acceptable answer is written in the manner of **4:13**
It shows **11:30**
